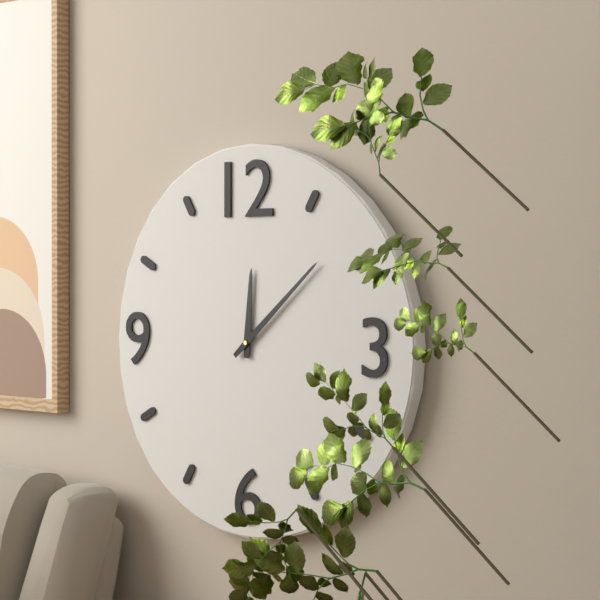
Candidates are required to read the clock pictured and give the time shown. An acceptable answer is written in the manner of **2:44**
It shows **12:08**
